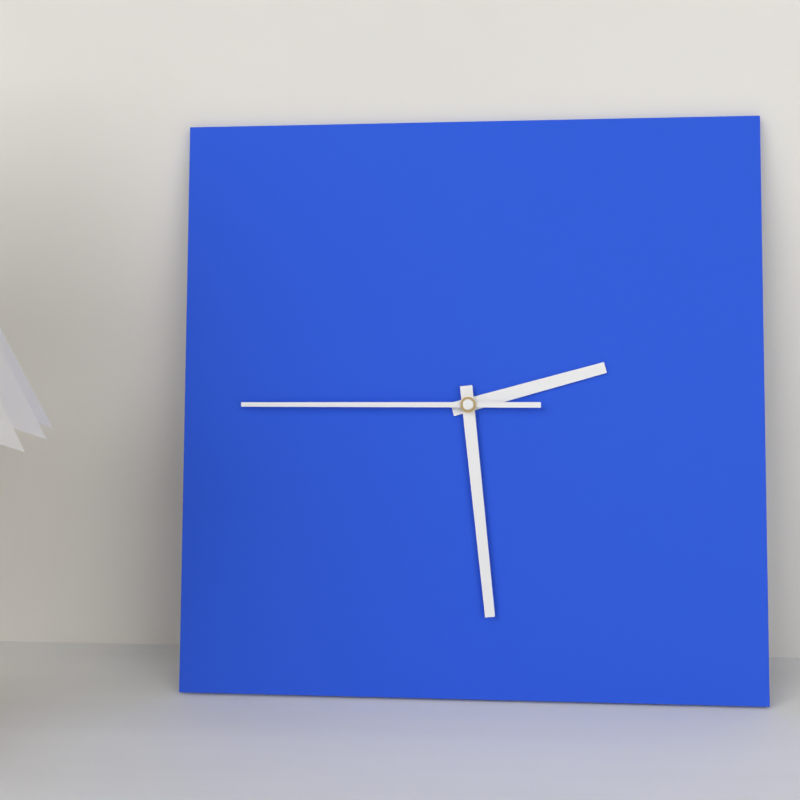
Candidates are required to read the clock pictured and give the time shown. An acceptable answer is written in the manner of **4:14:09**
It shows **2:29:45**
